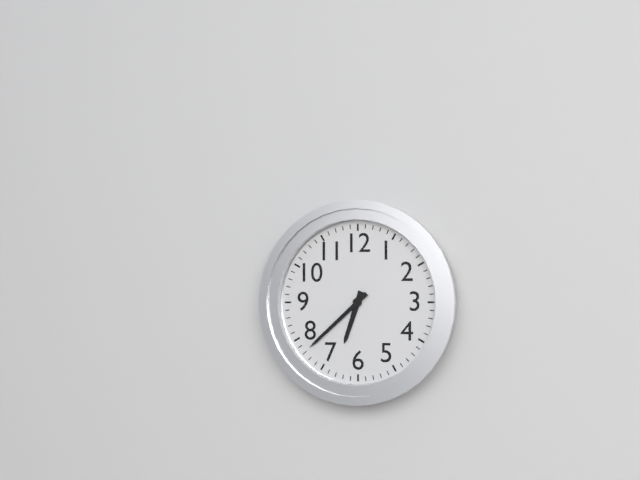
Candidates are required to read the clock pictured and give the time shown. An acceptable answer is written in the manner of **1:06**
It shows **6:38**
